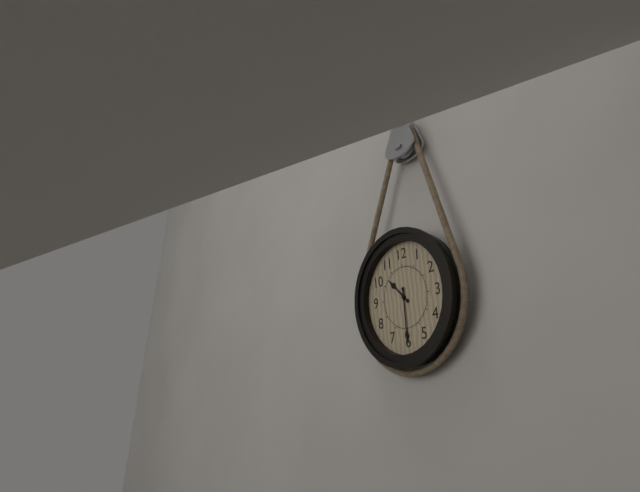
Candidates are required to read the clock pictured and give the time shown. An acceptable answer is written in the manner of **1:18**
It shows **10:30**
